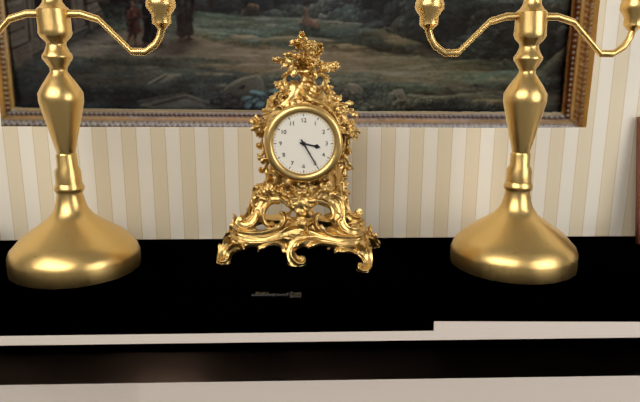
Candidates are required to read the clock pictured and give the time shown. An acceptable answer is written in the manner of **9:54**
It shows **3:25**
